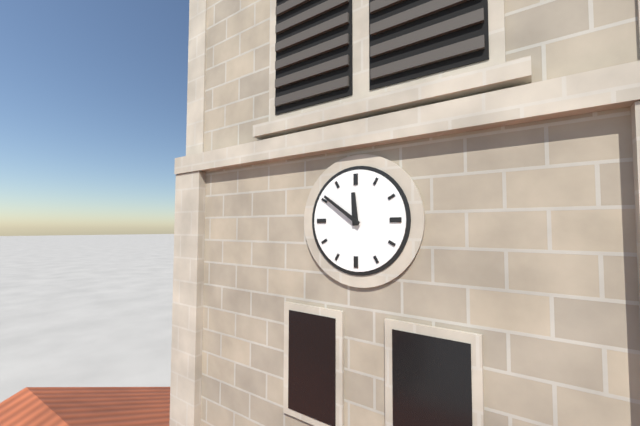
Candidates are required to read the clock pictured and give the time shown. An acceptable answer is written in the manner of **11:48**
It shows **11:51**
